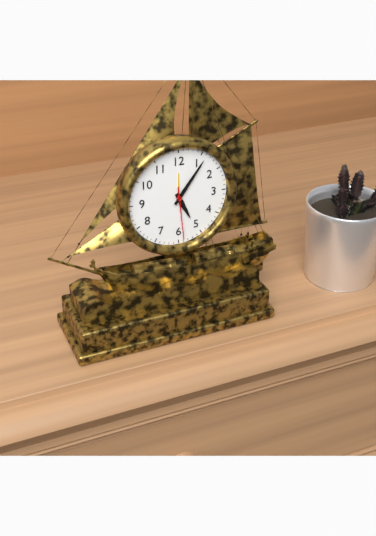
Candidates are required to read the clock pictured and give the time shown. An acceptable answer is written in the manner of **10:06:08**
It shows **5:06:29**
